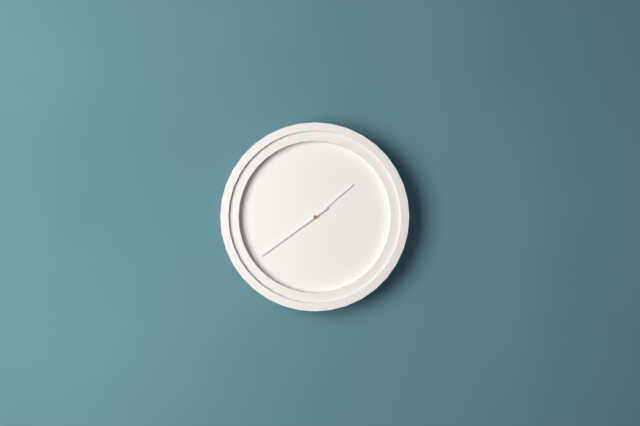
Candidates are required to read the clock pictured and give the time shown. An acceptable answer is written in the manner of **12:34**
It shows **1:39**
